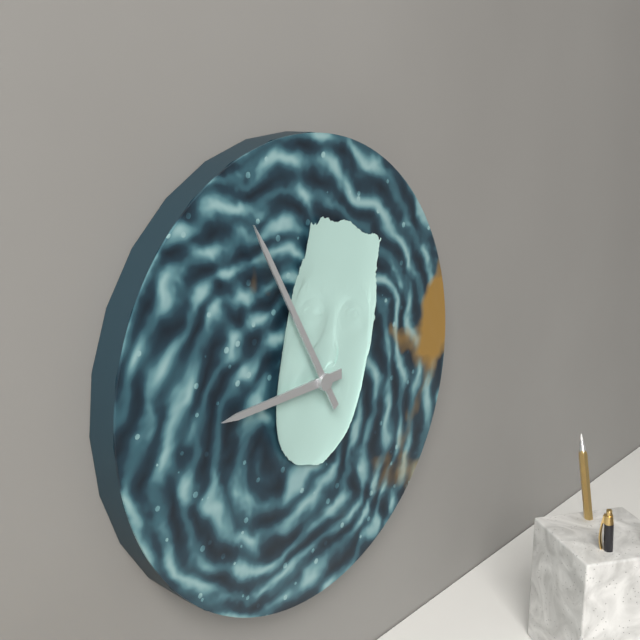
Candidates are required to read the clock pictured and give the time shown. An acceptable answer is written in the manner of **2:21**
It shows **8:55**
